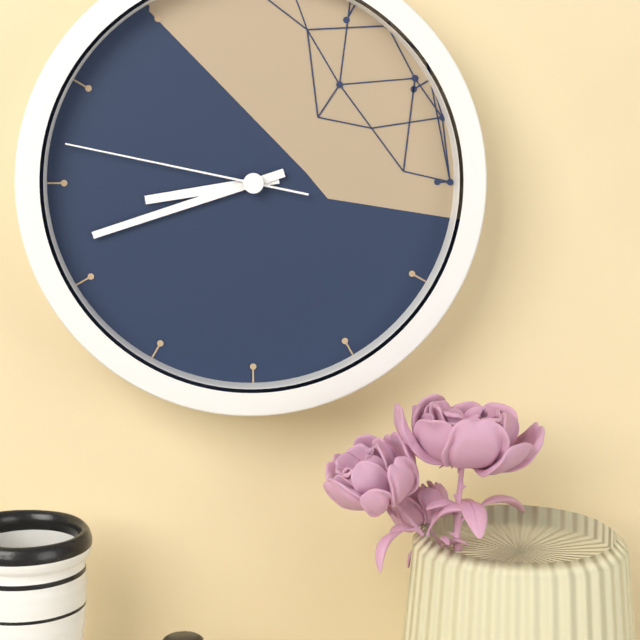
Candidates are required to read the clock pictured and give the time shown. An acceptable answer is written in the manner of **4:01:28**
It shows **8:42:47**
